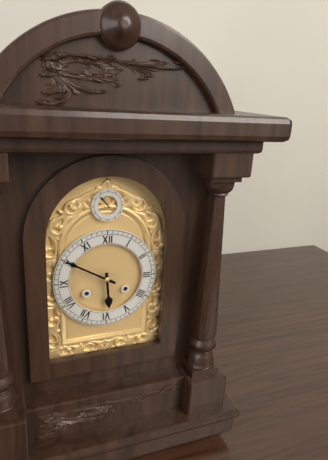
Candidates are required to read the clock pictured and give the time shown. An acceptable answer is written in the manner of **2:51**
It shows **5:50**
